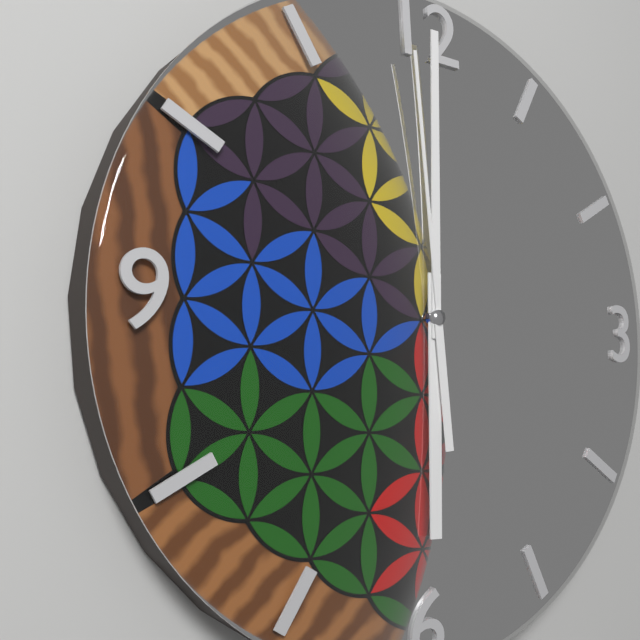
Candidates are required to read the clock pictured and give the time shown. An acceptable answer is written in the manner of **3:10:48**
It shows **6:00:59**
